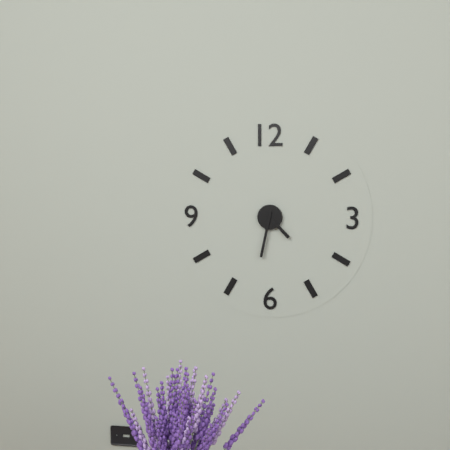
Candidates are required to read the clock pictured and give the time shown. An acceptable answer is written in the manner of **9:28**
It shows **4:32**
